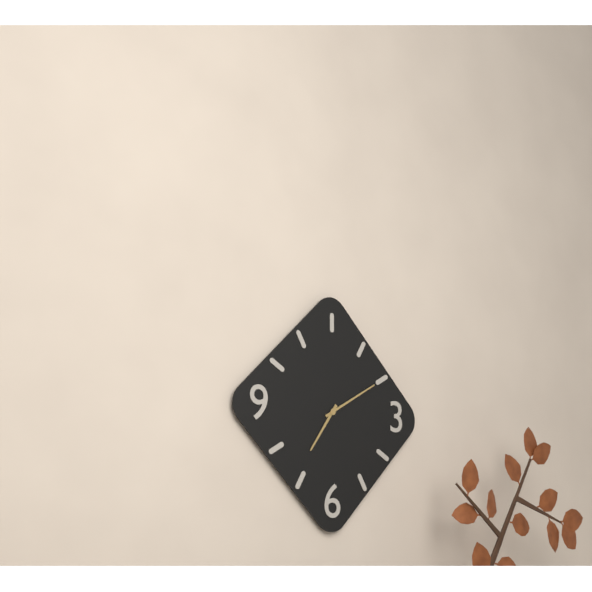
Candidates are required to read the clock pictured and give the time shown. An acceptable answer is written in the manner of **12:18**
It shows **7:10**
